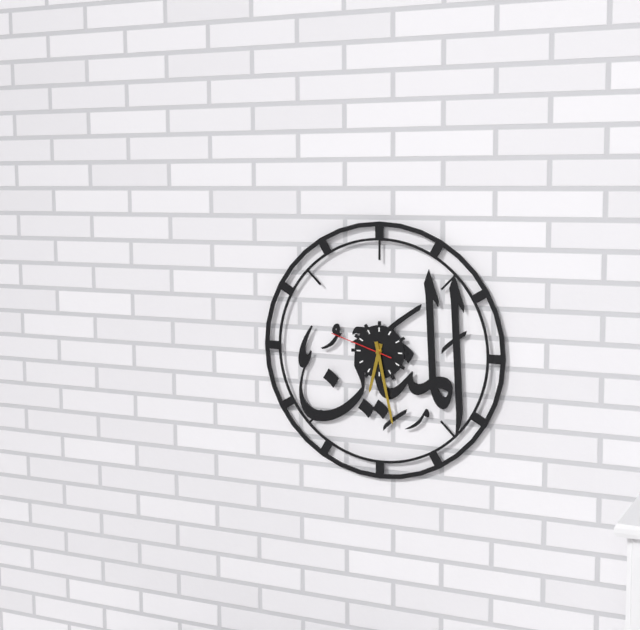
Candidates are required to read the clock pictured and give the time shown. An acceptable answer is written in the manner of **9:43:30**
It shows **6:28:48**
